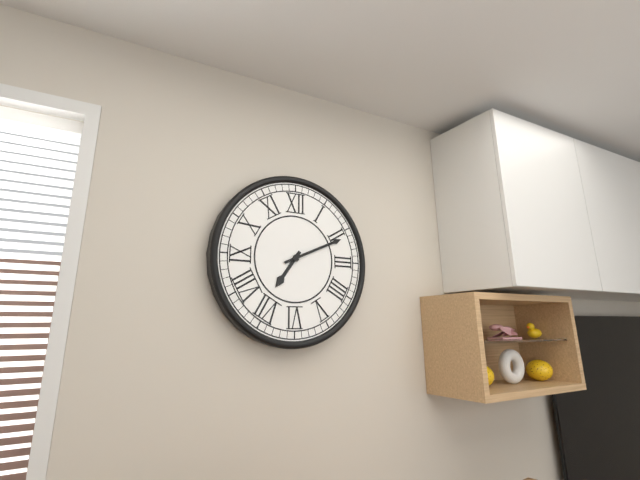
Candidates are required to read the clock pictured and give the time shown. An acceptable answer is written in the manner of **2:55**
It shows **7:11**
